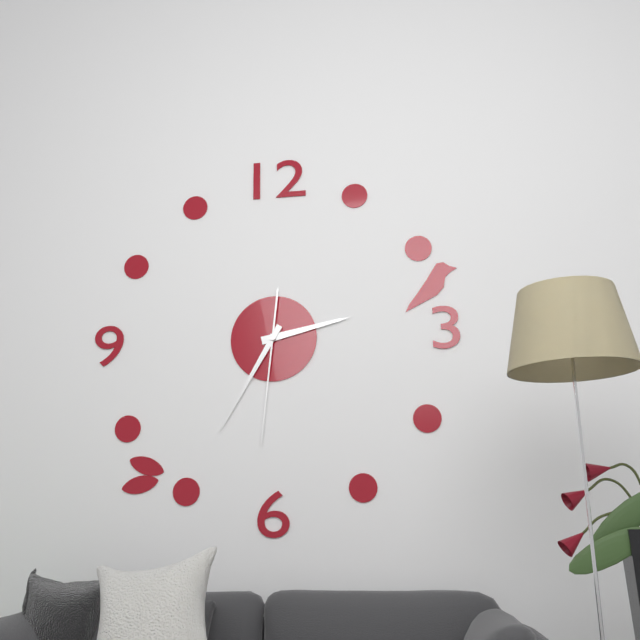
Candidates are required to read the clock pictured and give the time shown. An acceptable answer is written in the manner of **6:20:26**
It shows **2:35:31**
